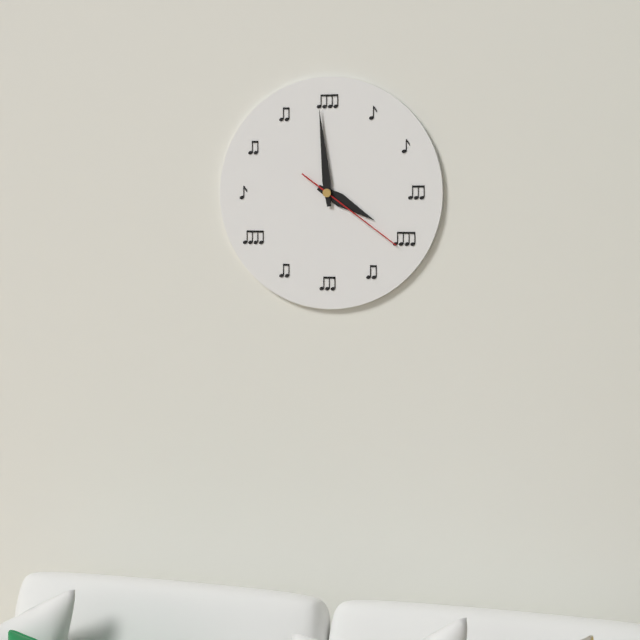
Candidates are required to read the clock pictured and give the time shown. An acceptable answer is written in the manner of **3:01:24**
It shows **3:59:21**
